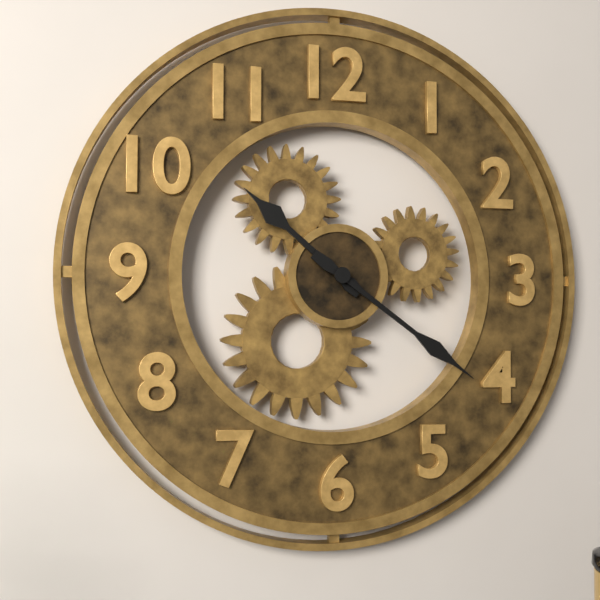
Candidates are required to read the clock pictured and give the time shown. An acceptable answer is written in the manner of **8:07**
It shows **10:21**
